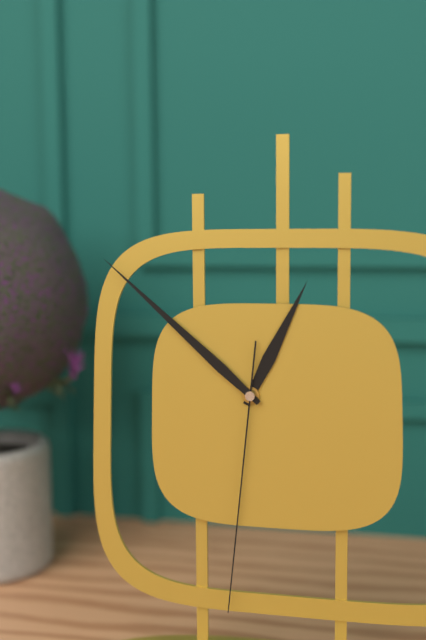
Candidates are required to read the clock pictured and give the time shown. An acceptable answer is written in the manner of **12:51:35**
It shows **12:52:31**
